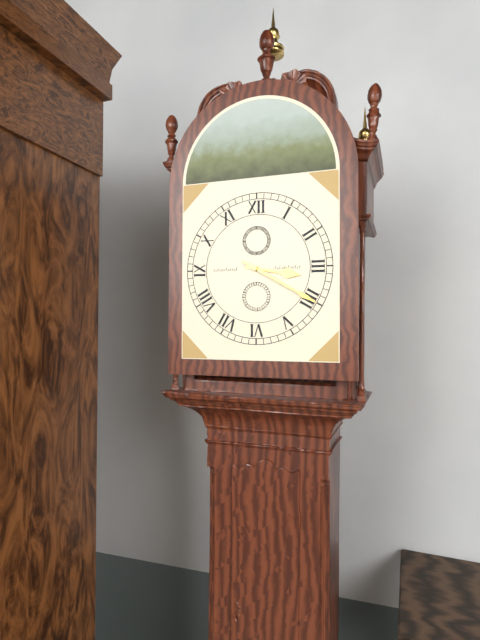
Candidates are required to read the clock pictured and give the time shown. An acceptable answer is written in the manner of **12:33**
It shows **3:20**
